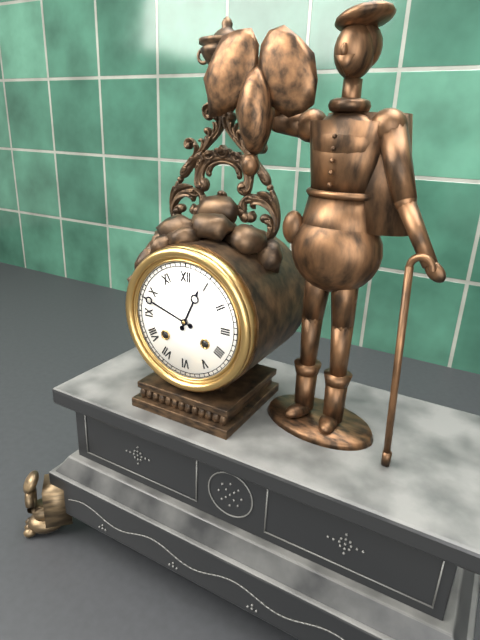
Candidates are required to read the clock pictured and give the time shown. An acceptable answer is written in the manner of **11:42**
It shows **12:48**
